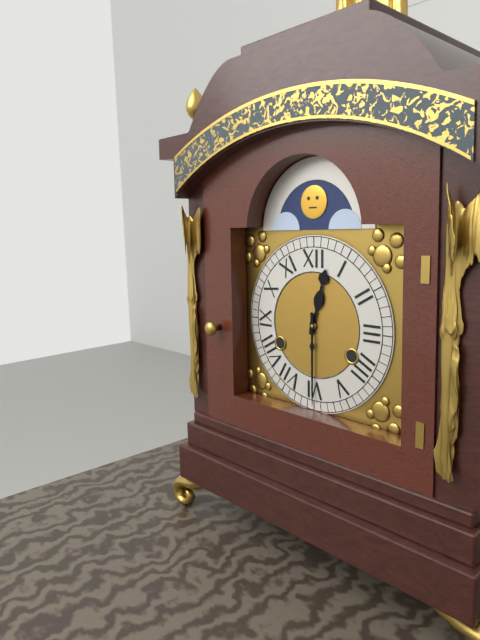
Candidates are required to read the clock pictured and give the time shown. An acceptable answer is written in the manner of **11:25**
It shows **12:30**
